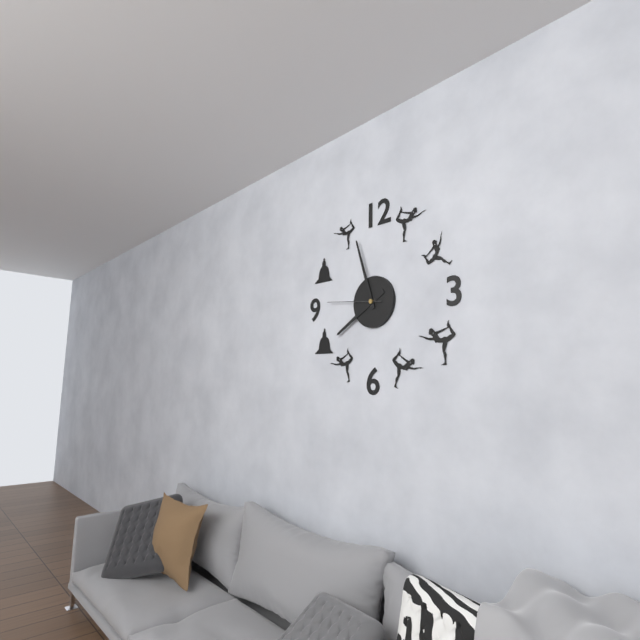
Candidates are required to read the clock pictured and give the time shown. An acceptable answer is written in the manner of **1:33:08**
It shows **7:57:46**
